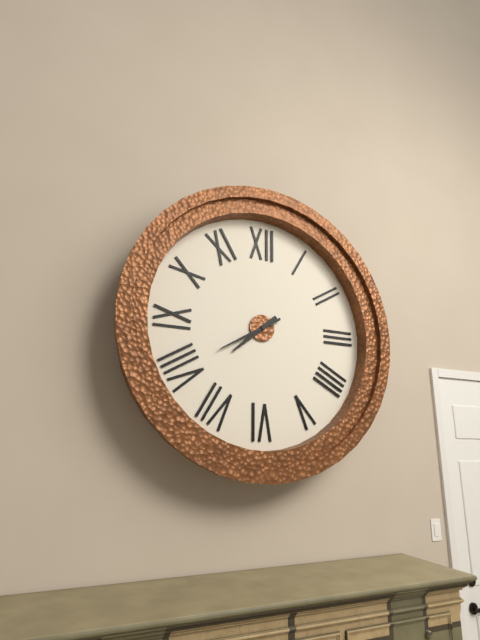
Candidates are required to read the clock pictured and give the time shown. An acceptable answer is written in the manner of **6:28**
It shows **7:40**
